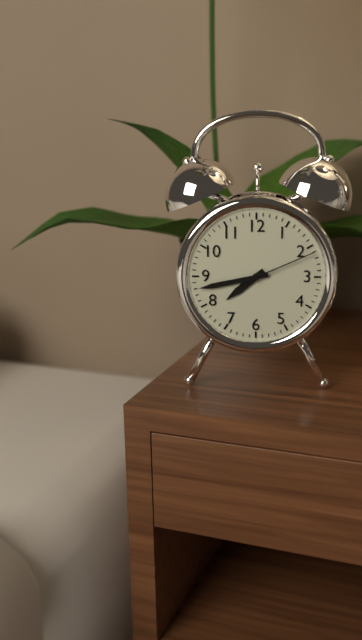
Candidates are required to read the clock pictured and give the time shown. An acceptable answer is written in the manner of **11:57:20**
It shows **7:43:11**
